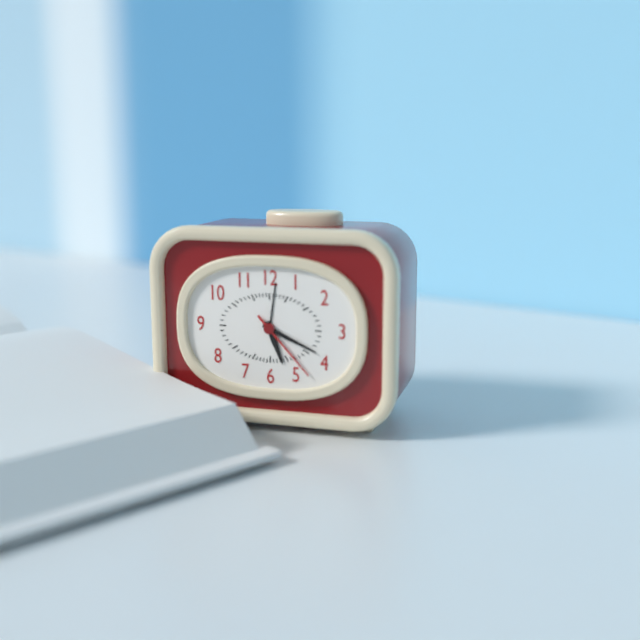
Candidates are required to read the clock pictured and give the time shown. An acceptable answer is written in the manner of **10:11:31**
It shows **5:19:23**
